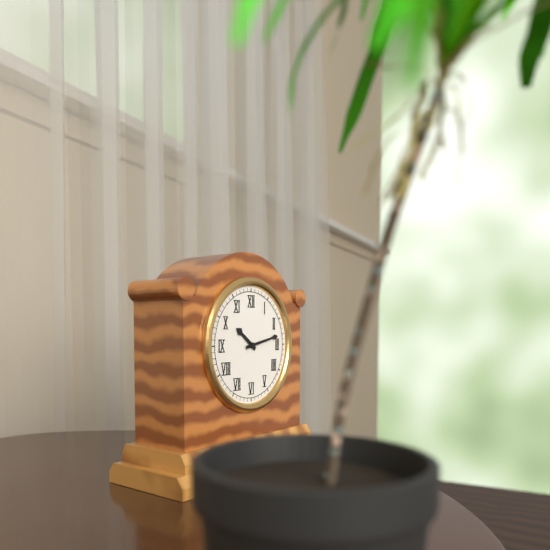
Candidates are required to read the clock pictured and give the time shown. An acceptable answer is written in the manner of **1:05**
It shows **10:13**
